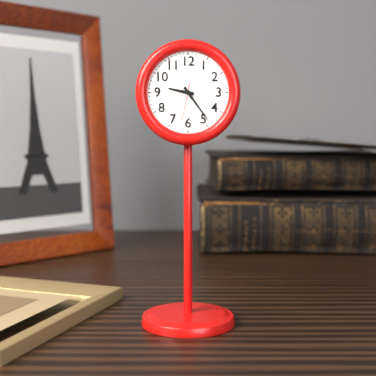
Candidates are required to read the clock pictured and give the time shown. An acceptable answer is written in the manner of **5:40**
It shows **9:24**
